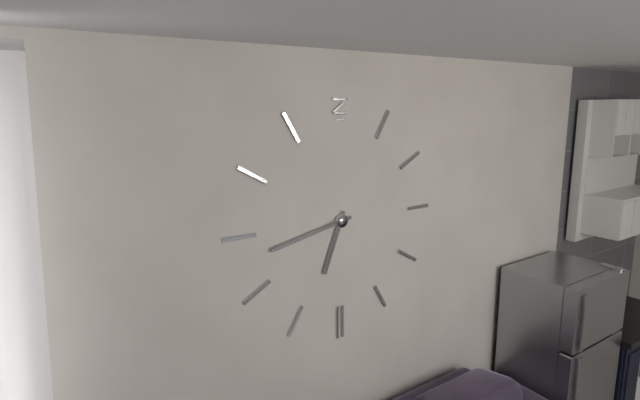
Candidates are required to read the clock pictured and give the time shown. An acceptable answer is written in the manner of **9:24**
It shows **6:43**
